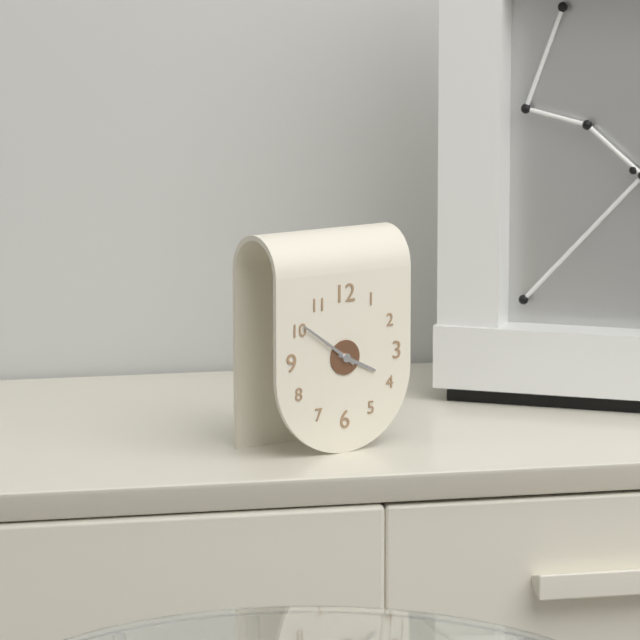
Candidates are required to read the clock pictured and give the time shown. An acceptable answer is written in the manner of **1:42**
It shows **3:51**
